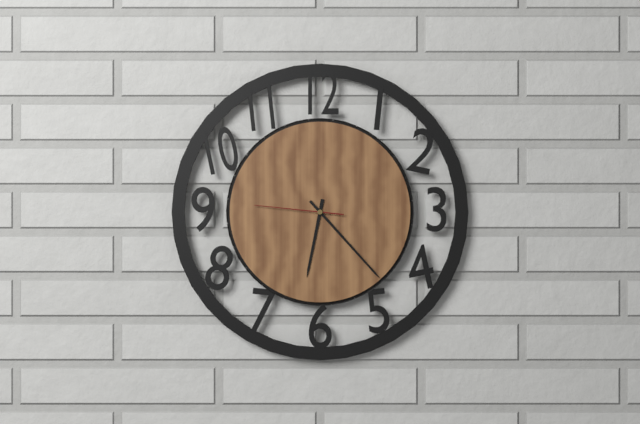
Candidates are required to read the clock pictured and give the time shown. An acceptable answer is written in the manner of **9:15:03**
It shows **6:23:46**
